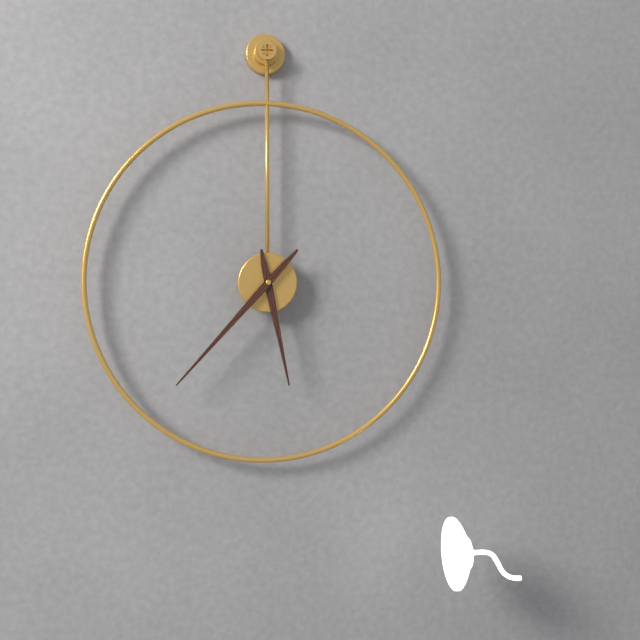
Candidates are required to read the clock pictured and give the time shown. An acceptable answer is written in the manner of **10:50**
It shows **5:37**
